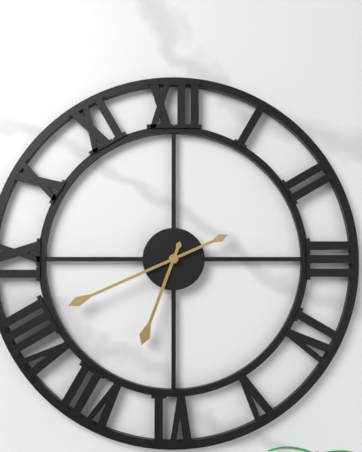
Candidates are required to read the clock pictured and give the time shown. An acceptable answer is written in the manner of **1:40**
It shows **6:41**
